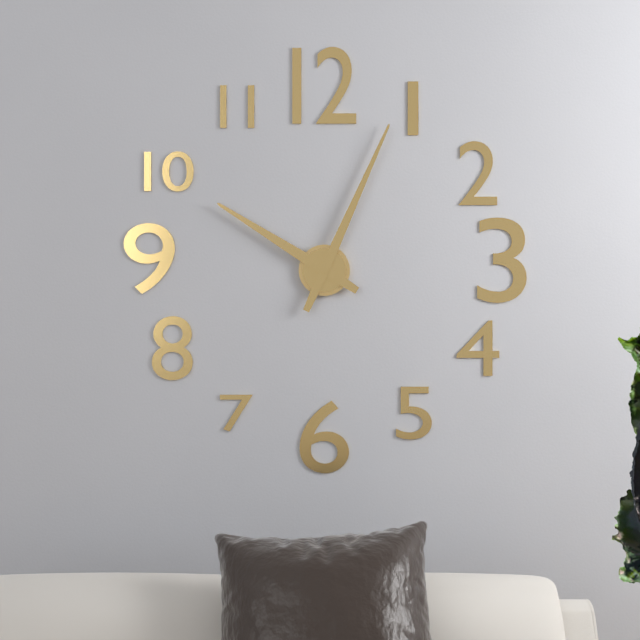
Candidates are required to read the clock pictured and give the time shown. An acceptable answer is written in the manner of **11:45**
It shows **10:04**
